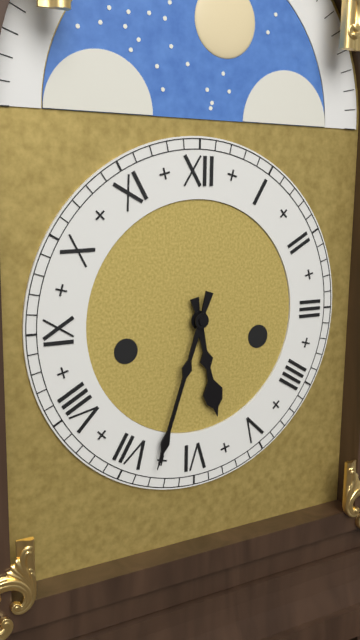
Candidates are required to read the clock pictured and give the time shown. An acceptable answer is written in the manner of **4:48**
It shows **5:33**
